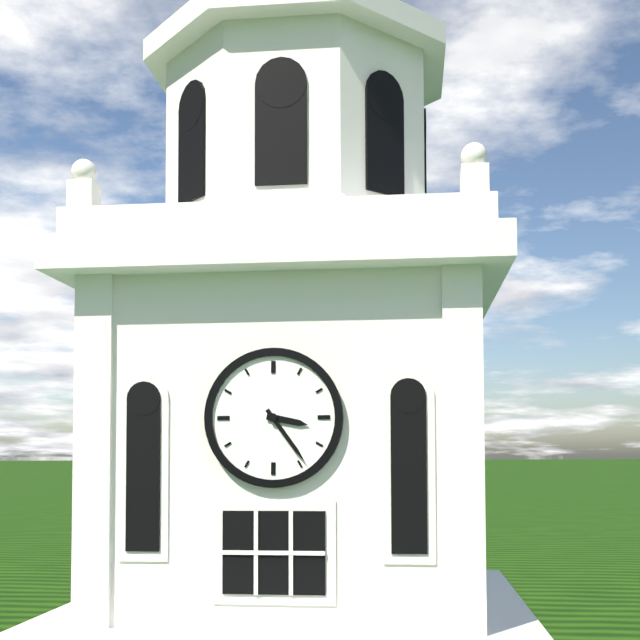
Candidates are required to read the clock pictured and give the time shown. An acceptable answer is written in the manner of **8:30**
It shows **3:24**
